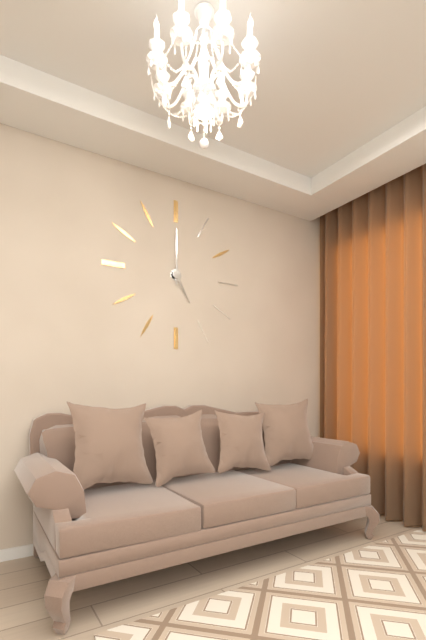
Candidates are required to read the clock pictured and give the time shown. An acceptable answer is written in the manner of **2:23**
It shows **5:00**
